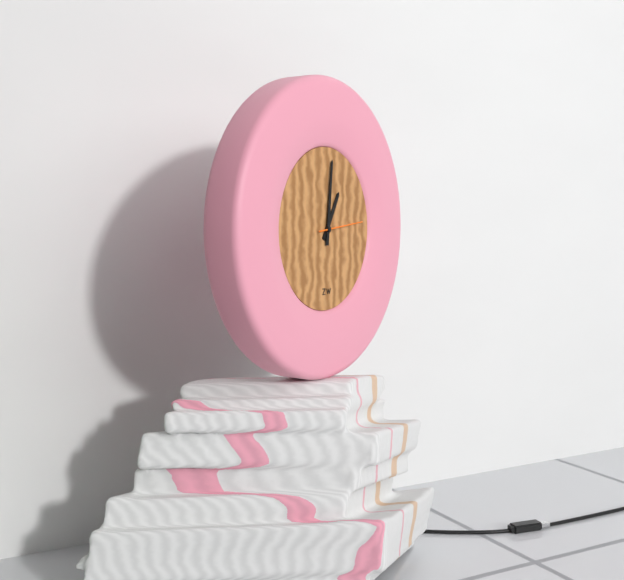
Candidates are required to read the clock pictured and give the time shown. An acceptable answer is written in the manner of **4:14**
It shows **1:01**
